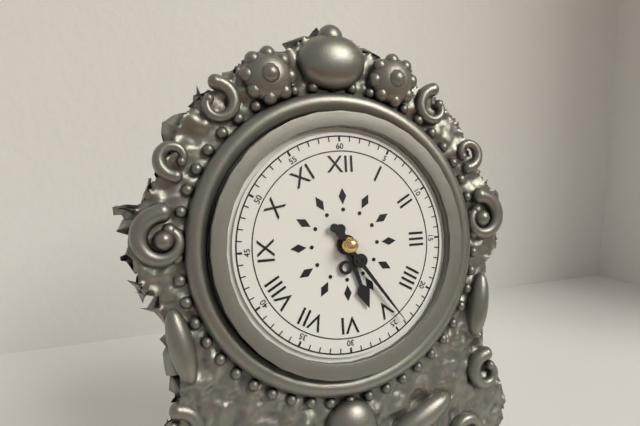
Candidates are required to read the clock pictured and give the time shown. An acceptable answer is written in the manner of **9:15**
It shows **5:24**
